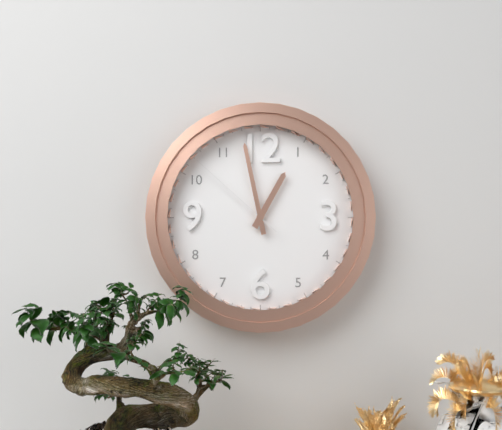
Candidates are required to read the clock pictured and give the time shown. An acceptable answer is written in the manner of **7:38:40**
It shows **12:58:52**
